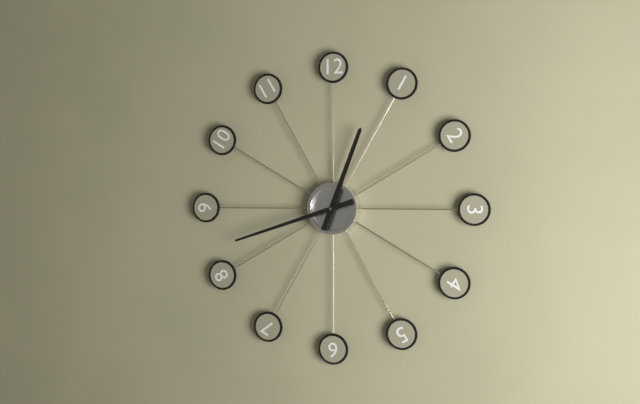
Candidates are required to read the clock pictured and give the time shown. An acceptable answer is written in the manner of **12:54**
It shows **12:42**
